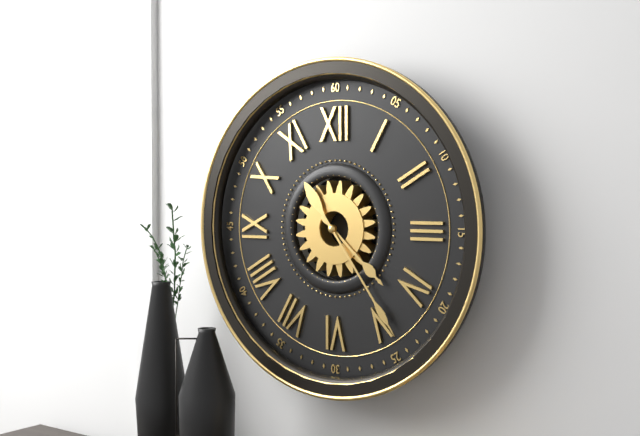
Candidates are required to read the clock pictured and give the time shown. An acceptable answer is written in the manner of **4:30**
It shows **4:24**
